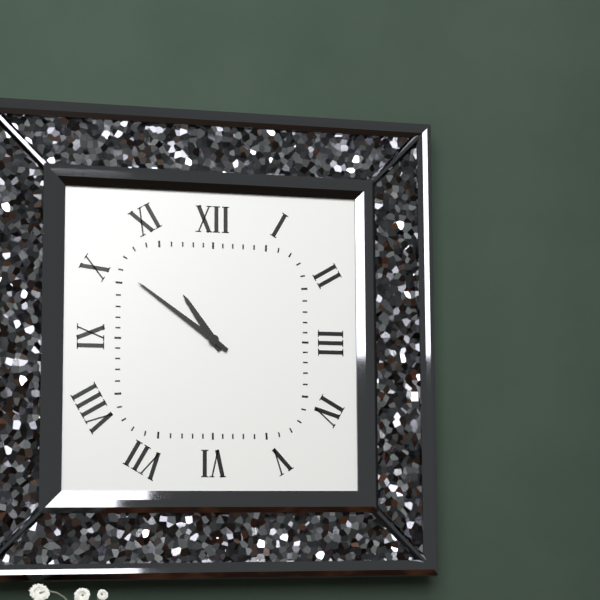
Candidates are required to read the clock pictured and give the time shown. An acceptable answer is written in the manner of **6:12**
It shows **10:51**
